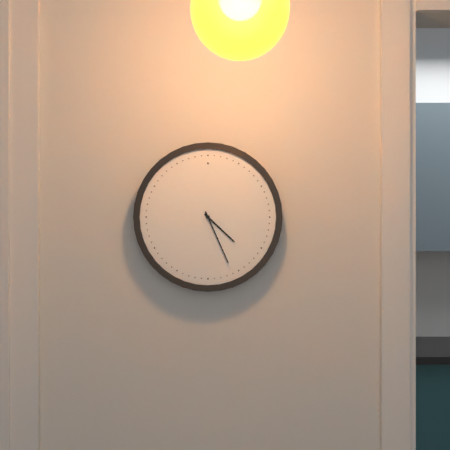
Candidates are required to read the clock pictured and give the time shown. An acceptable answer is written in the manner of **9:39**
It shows **4:26**
